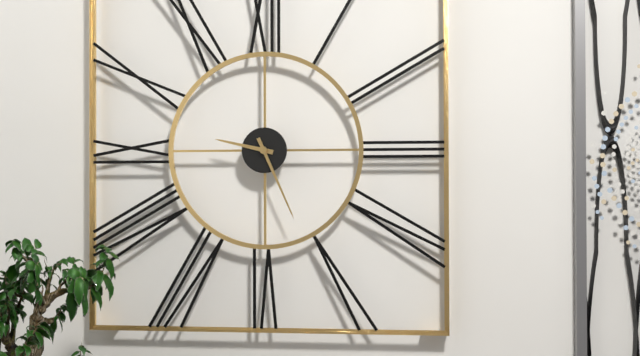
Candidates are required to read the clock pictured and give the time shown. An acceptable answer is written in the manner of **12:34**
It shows **9:26**
